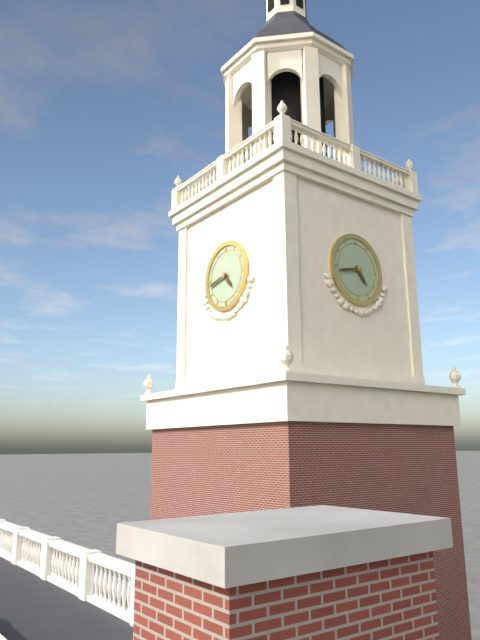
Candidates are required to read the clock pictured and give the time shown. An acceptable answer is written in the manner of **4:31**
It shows **4:43**
